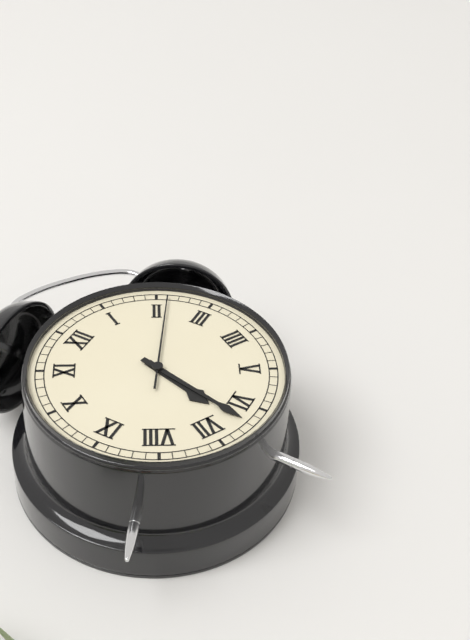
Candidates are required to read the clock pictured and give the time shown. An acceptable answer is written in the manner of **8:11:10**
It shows **6:32:11**
